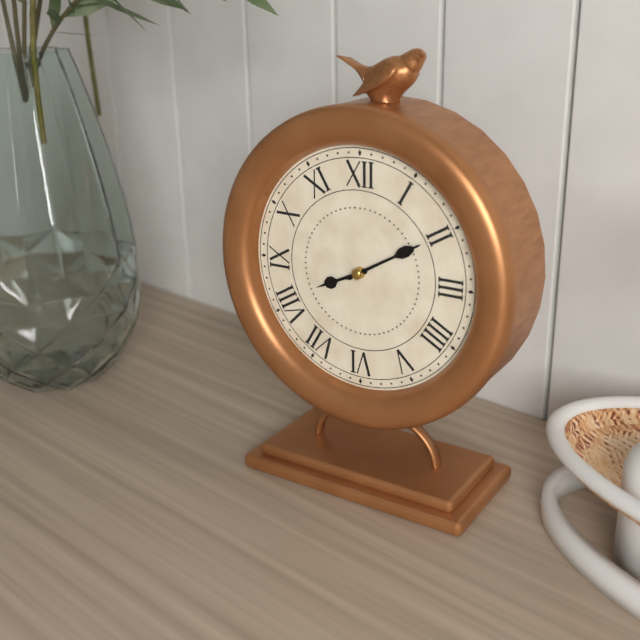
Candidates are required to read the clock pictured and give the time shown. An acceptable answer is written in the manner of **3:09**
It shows **8:10**
